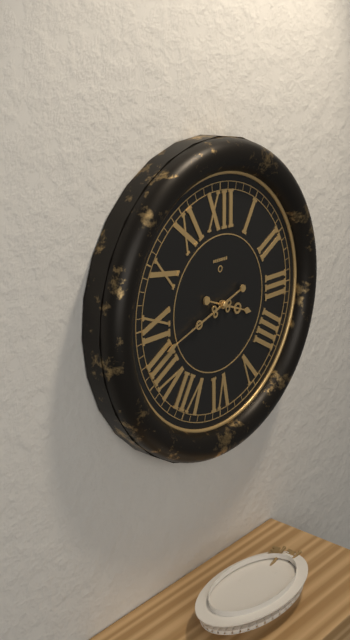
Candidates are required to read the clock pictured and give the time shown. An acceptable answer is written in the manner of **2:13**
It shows **3:42**
